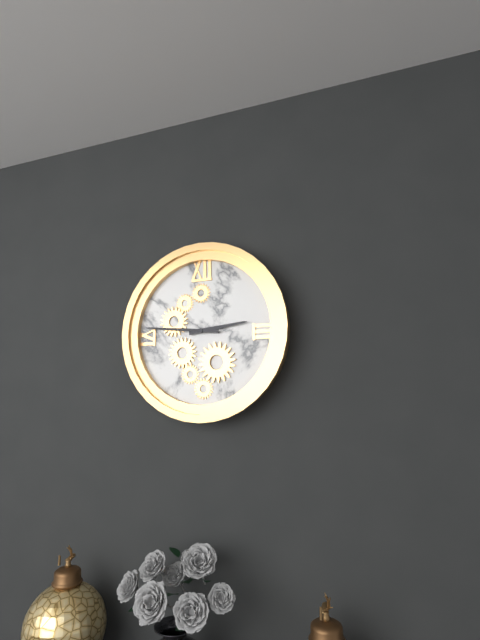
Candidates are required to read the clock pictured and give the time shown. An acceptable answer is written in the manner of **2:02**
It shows **2:46**
